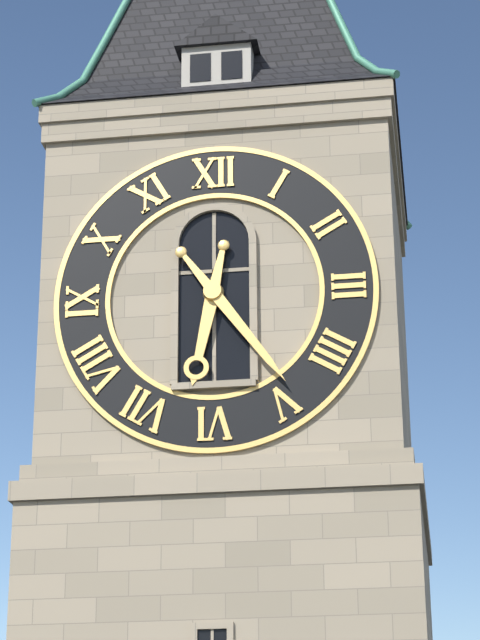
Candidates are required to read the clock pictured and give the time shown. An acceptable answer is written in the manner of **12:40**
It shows **6:24**
